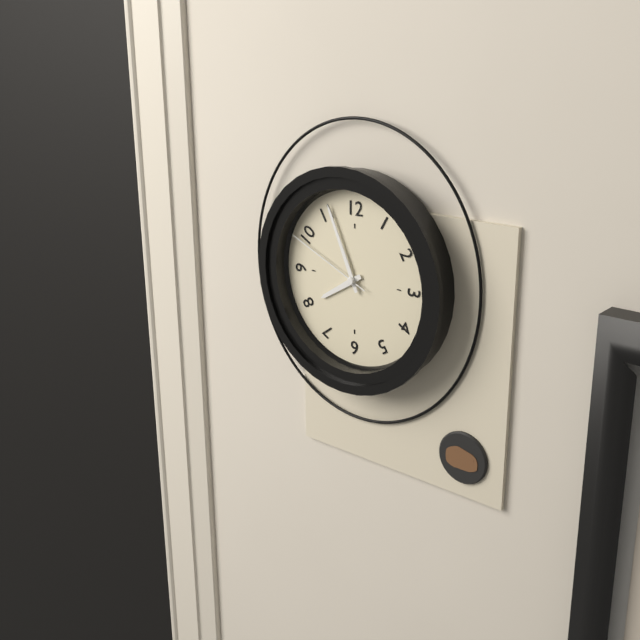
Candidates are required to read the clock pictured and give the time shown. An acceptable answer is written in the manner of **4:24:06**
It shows **7:56:49**
